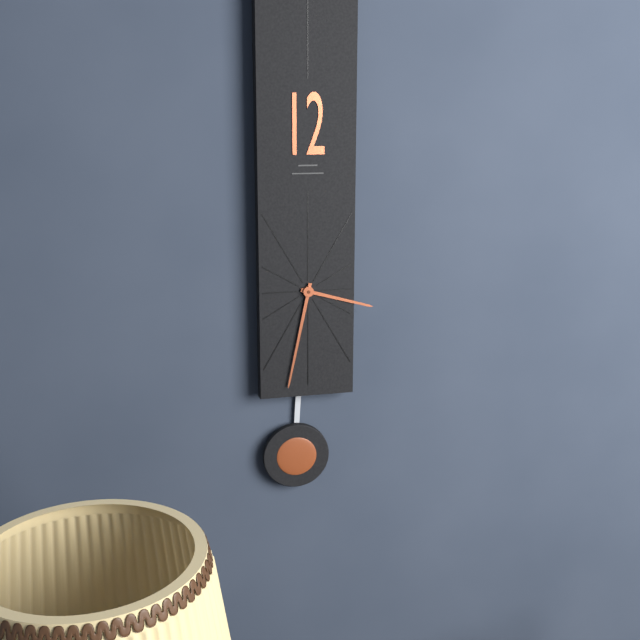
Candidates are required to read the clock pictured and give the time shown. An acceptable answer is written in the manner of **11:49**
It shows **3:32**
